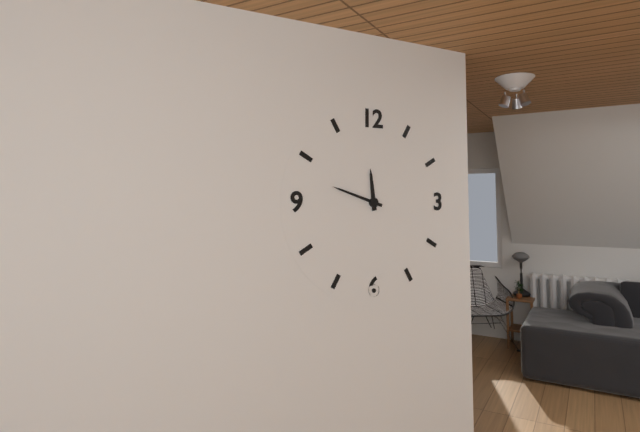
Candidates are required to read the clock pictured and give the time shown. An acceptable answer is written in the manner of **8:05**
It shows **11:48**
